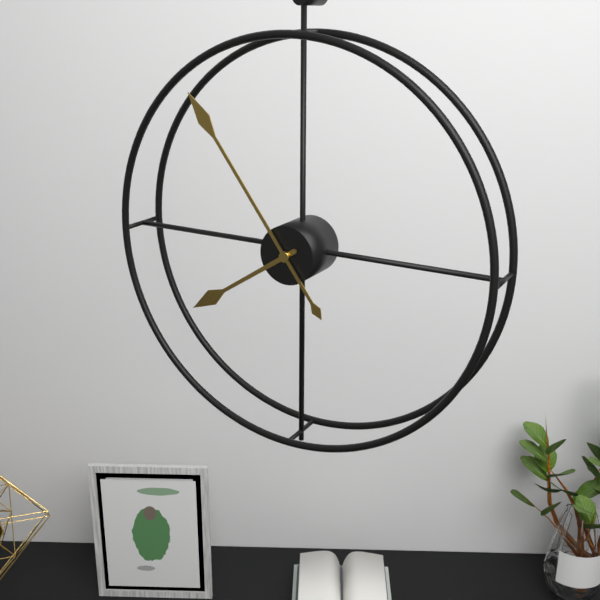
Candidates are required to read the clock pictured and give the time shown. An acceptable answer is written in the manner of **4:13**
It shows **7:54**
